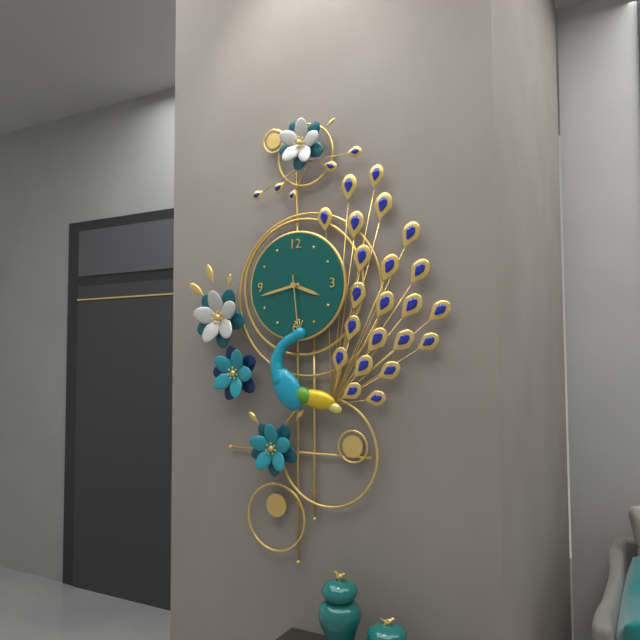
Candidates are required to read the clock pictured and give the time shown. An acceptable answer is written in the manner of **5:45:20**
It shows **3:43:29**
